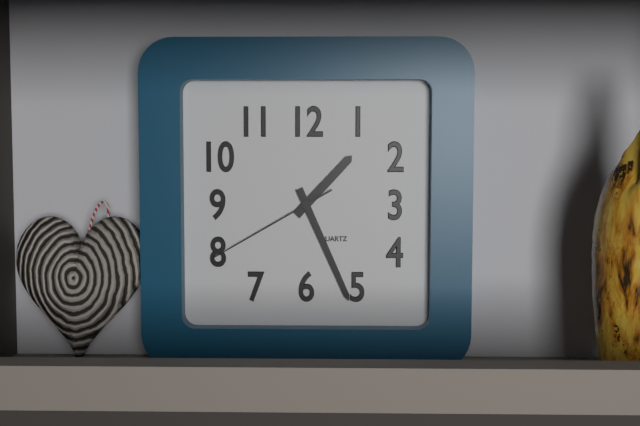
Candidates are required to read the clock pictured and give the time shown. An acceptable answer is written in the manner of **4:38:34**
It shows **1:26:40**
